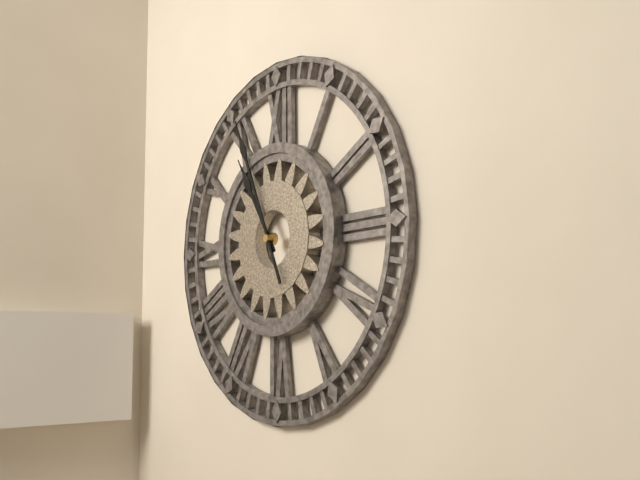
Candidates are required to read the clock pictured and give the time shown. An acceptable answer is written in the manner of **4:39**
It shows **10:56**
